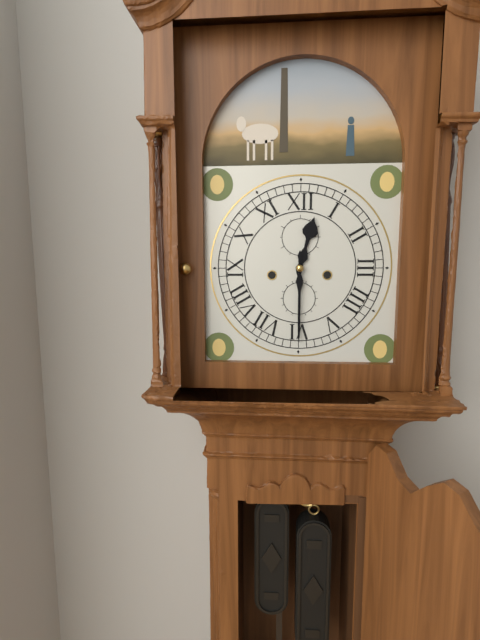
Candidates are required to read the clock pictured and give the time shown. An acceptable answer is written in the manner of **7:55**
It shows **12:30**
